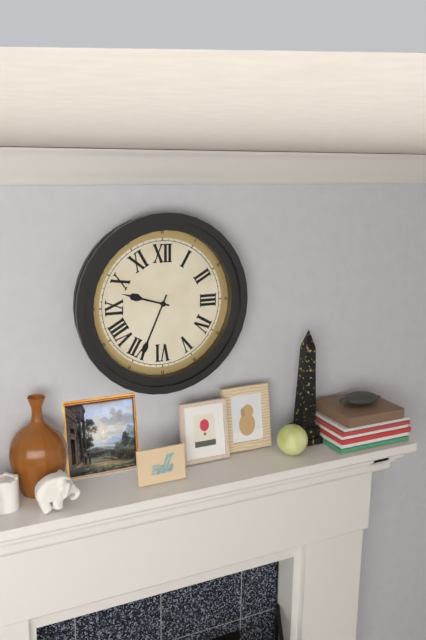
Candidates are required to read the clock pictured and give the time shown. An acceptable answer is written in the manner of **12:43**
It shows **9:34**
